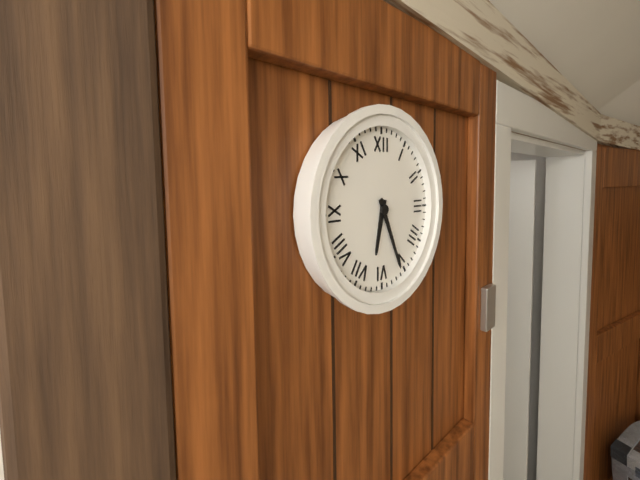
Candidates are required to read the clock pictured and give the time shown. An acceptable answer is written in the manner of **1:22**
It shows **6:26**
